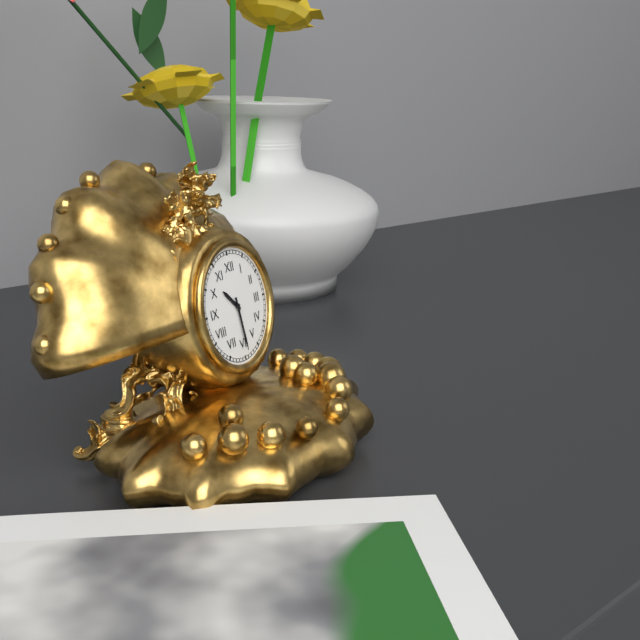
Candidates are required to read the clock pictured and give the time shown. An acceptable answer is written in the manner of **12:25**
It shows **10:29**
